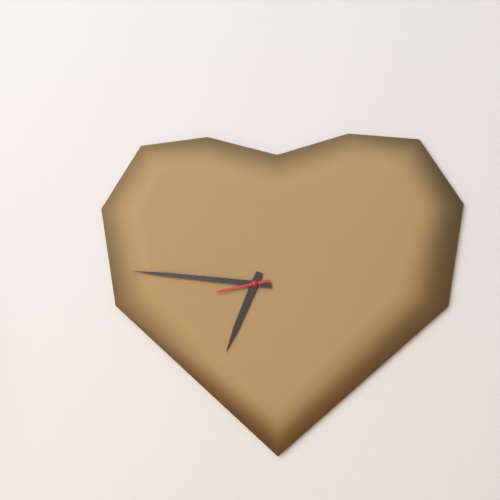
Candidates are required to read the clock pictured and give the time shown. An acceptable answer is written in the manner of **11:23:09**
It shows **6:46:43**
